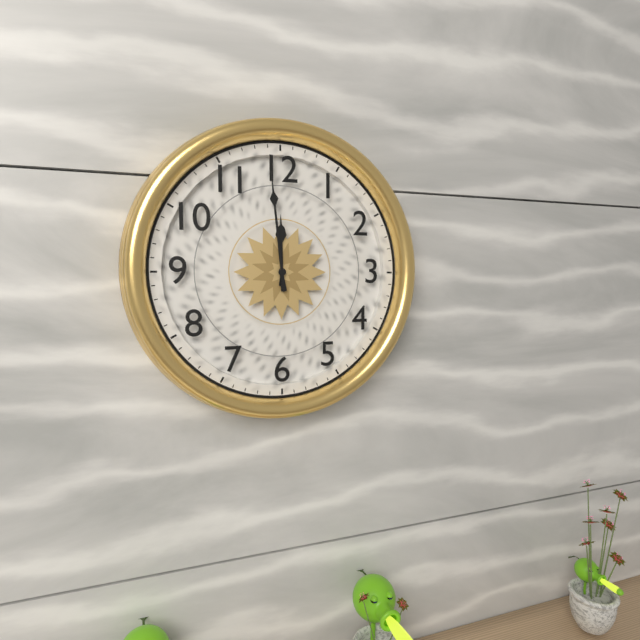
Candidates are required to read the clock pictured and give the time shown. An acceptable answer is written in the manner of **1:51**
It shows **11:59**
